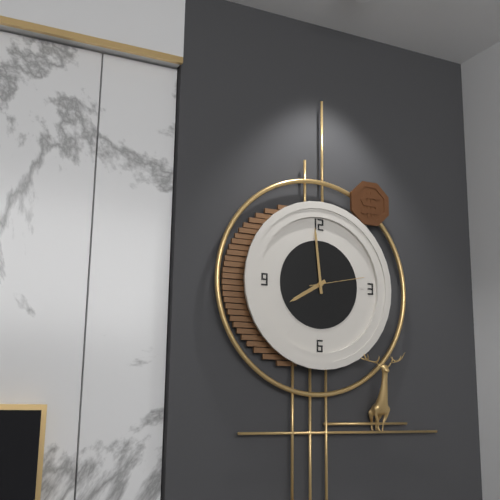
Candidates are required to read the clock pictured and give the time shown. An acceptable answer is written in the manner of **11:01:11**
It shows **7:59:13**
